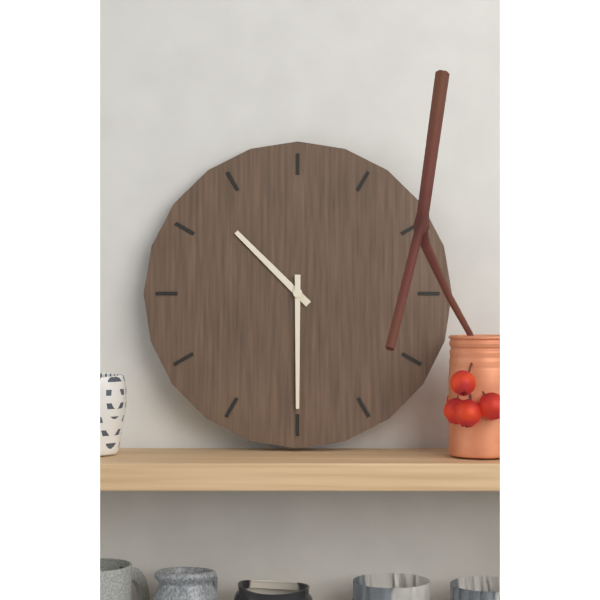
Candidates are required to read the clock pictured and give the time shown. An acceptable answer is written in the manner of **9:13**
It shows **10:30**
